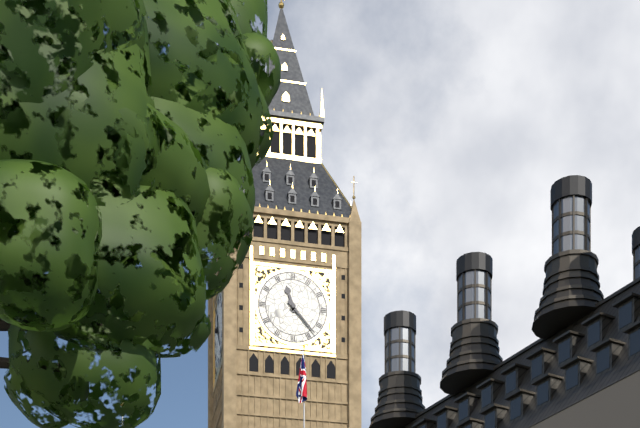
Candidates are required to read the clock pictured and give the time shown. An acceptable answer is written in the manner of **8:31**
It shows **11:23**
